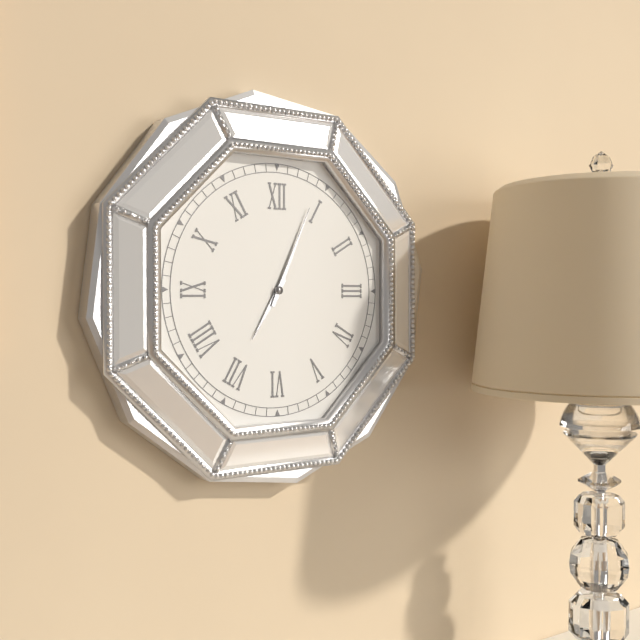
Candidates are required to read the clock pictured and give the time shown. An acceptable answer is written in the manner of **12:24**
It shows **7:04**
